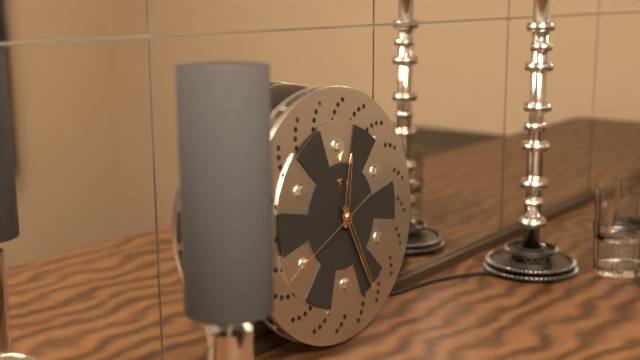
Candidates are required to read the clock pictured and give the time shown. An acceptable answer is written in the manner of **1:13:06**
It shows **12:26:41**
